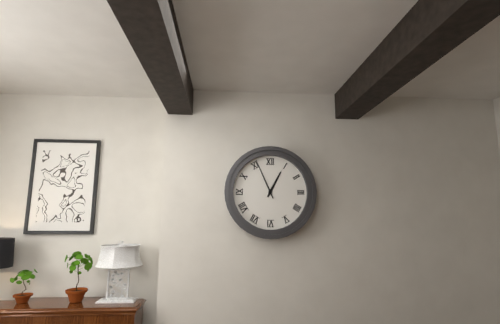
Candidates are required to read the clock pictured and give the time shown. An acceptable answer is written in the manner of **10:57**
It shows **12:56**
